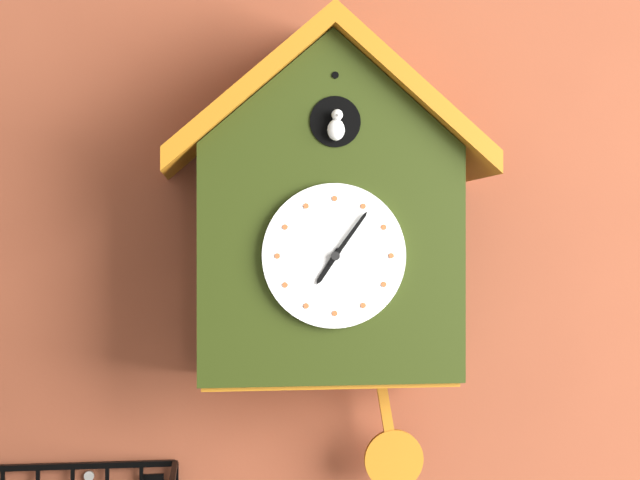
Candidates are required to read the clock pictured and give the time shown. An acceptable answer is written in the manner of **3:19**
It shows **7:06**
